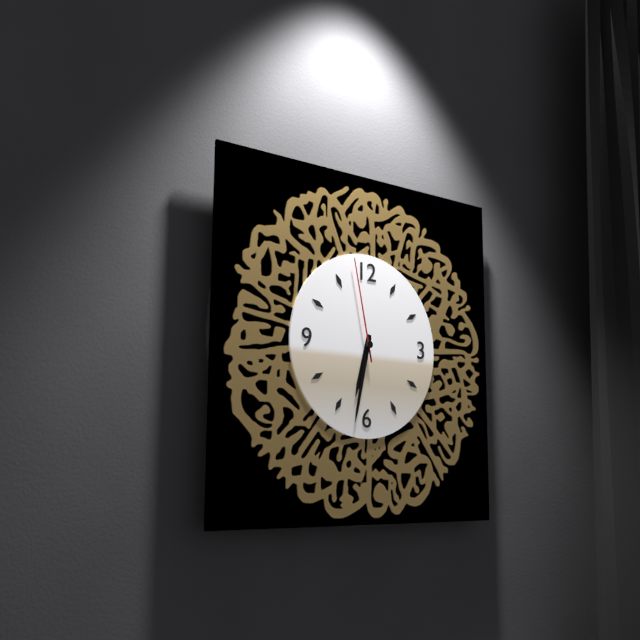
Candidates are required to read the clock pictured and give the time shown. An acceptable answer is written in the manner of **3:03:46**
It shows **6:32:58**
